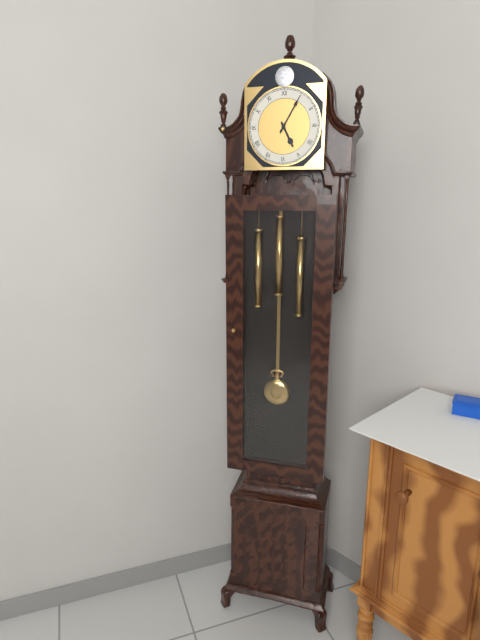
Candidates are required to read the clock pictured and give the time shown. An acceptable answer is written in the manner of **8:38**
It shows **5:05**
